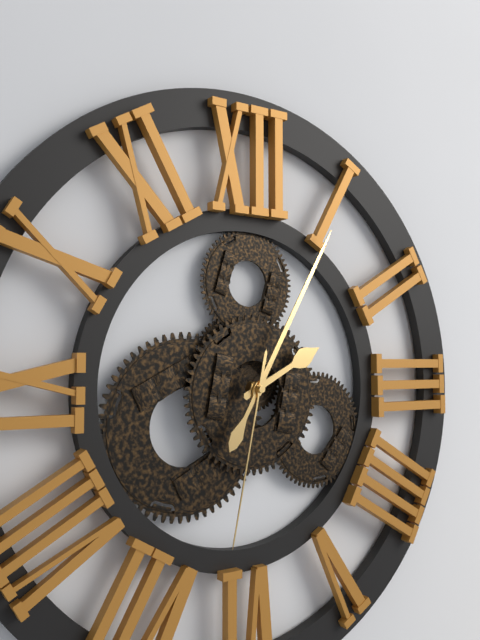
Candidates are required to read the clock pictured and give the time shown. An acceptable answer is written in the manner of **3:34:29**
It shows **2:05:32**
